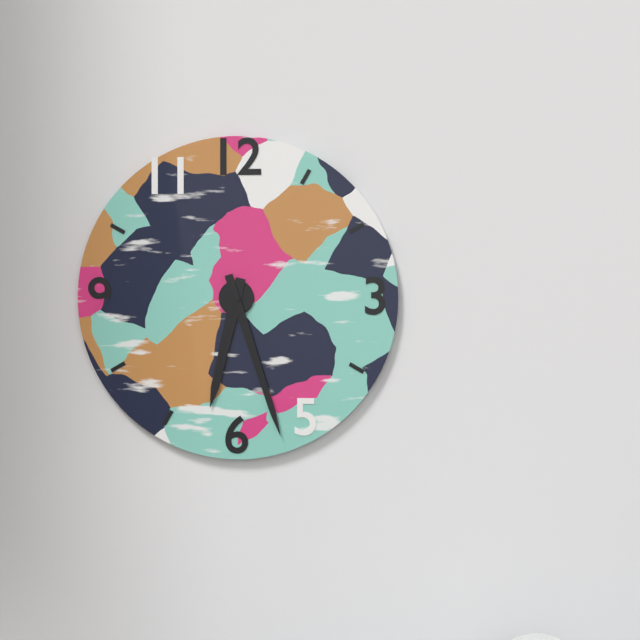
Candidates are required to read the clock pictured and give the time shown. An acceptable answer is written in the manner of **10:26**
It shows **6:27**
